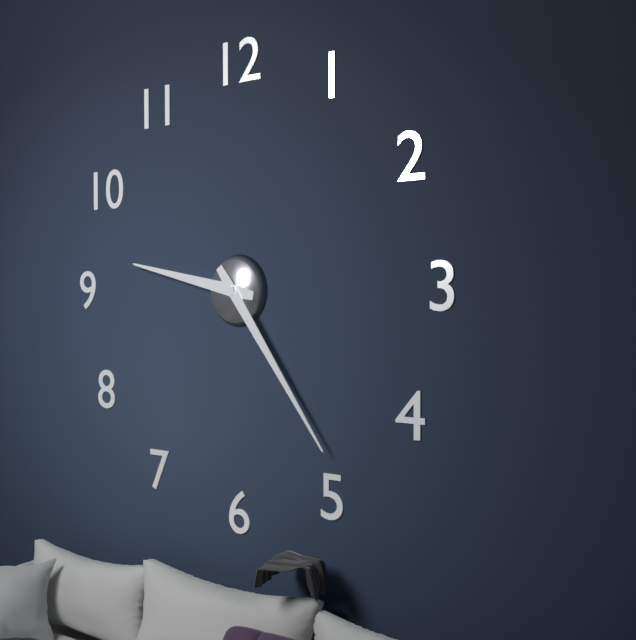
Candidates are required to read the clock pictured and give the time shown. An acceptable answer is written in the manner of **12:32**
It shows **9:24**
